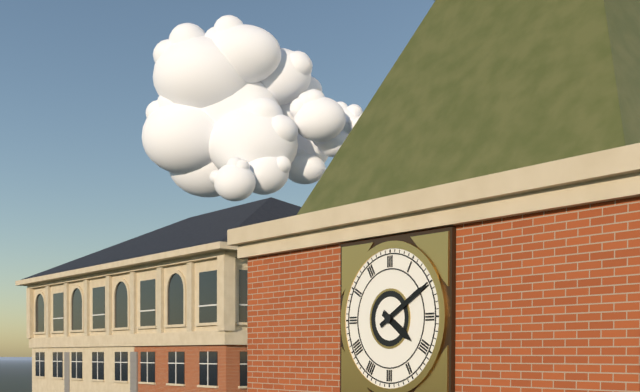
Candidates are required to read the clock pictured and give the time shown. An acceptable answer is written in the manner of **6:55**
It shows **4:10**
